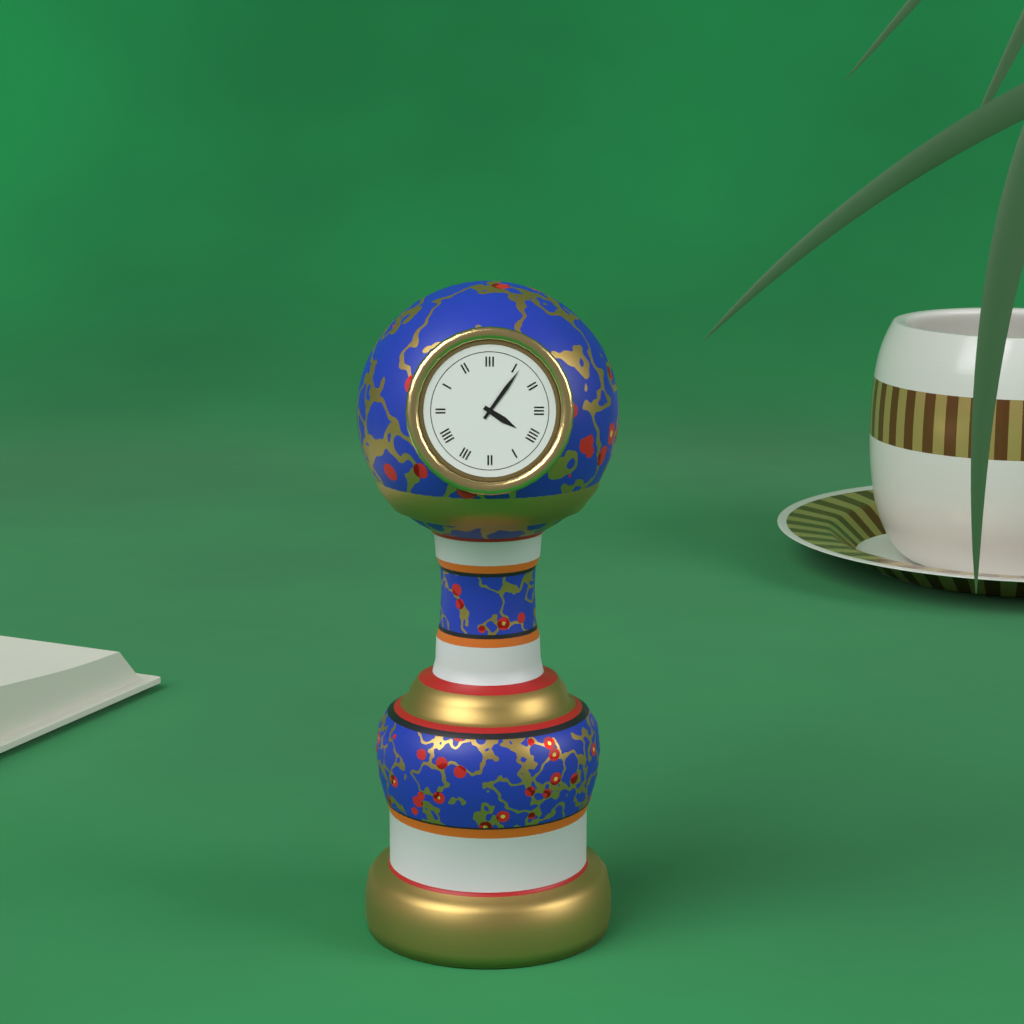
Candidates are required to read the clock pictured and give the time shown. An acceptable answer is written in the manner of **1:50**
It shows **4:06**
